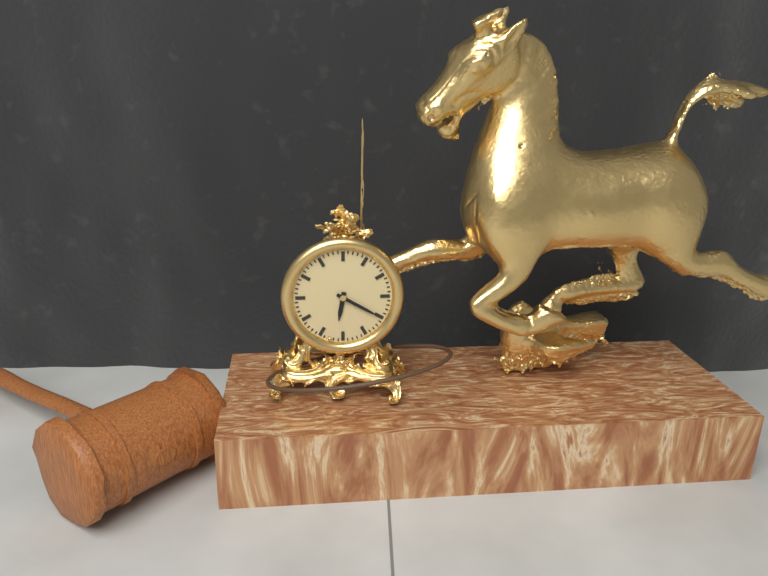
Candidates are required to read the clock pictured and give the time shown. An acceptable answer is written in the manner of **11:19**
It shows **6:20**
